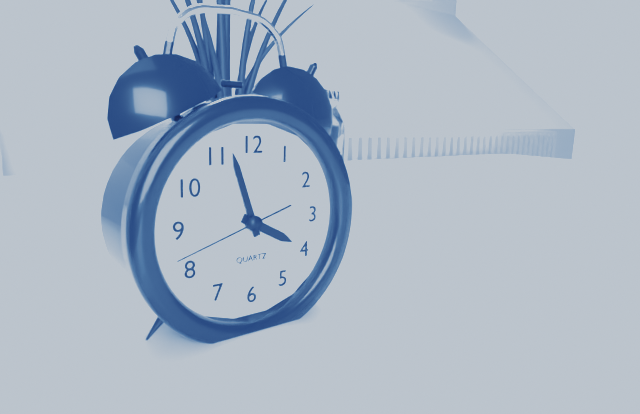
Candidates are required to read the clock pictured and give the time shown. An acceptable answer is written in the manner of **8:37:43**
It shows **3:57:42**
